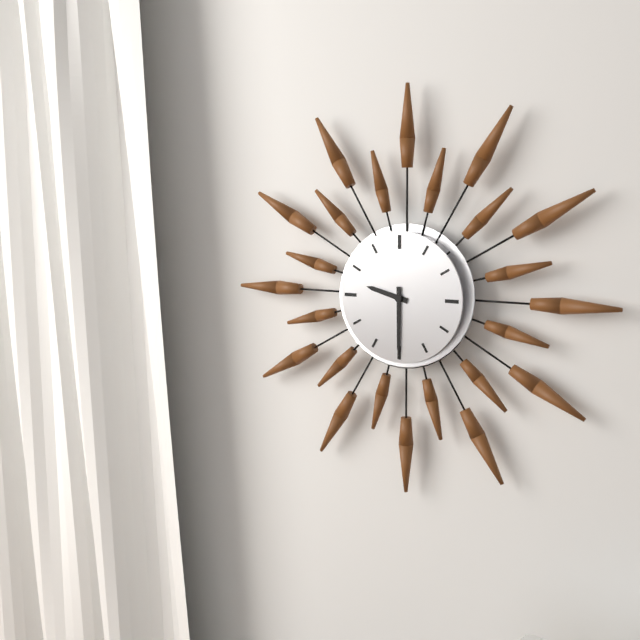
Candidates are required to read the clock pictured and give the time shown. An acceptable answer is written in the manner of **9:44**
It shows **9:30**
